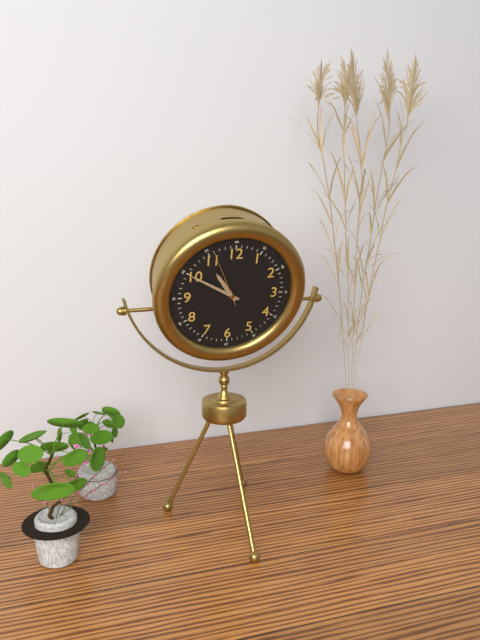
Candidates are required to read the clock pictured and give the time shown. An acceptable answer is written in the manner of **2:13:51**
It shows **10:50:56**
